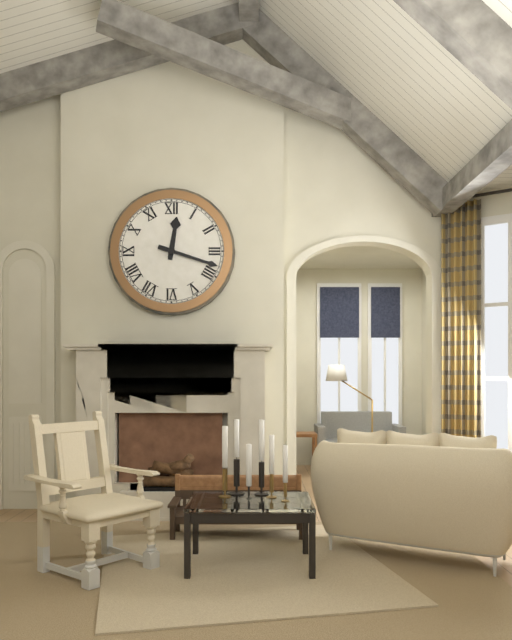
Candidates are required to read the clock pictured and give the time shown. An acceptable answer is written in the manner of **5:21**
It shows **12:18**
